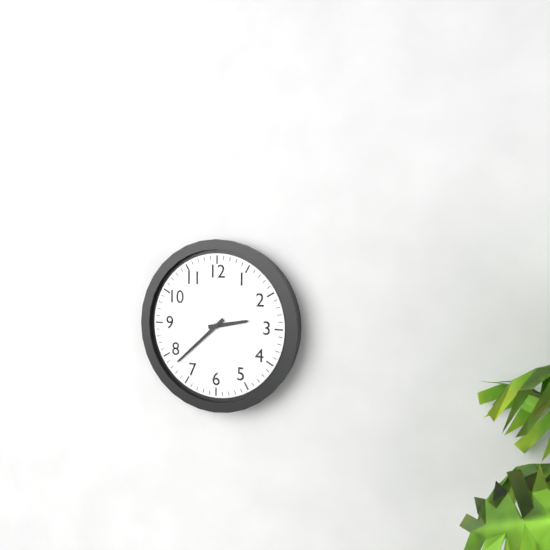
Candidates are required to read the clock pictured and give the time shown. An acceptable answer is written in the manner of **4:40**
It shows **2:38**
